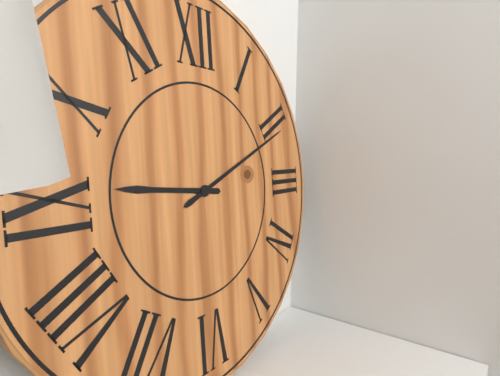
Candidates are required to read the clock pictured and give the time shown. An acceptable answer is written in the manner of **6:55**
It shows **9:11**
